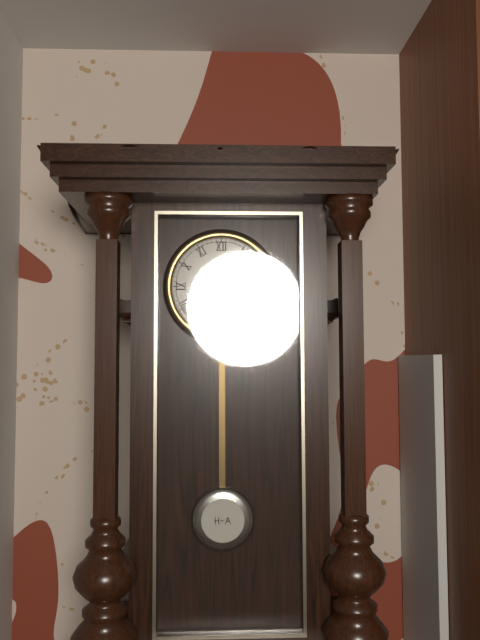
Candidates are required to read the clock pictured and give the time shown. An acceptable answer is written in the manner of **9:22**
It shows **6:11**
